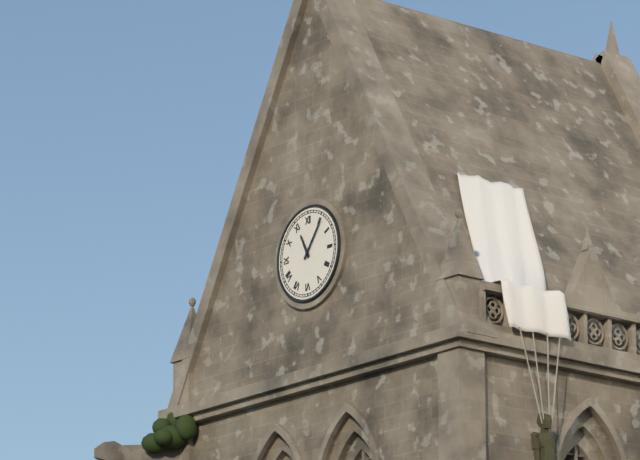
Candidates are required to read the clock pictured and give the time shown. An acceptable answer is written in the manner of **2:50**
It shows **11:06**
